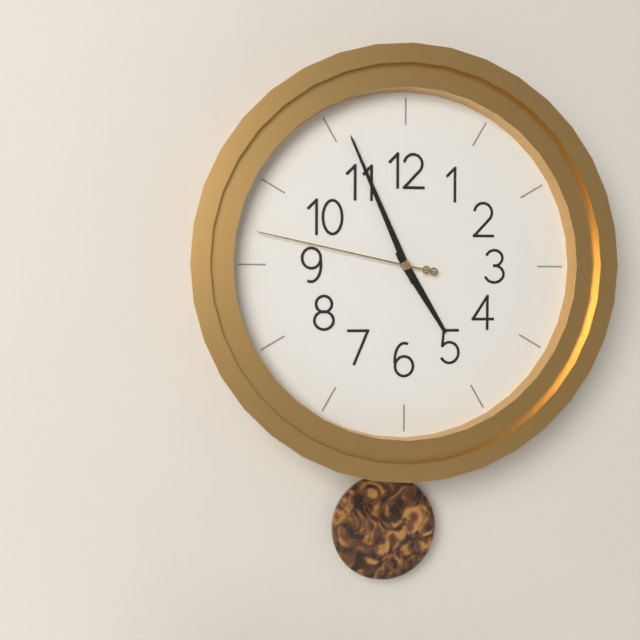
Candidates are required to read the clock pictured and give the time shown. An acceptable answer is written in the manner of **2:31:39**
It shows **4:56:47**
